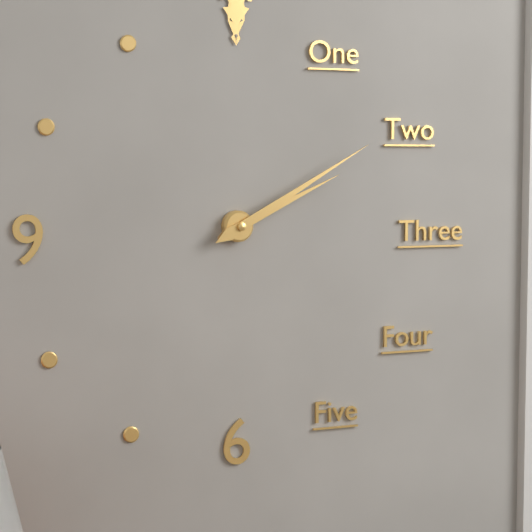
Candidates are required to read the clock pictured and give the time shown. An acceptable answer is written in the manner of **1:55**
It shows **2:10**
